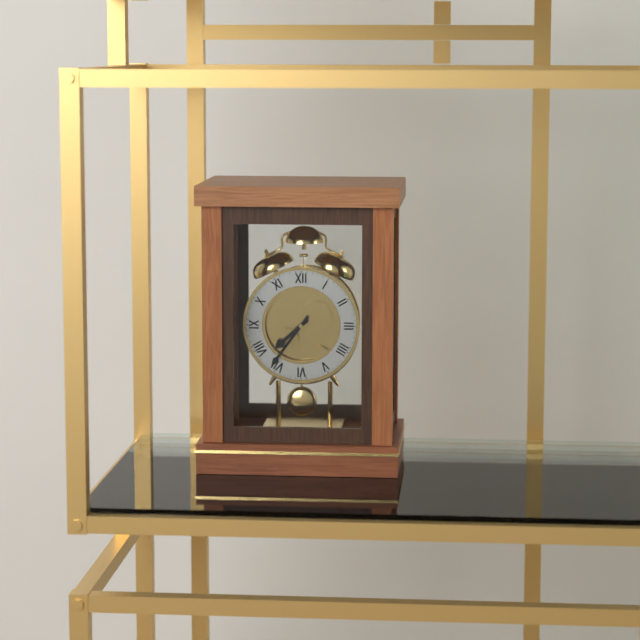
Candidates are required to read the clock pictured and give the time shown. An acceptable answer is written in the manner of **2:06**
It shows **7:36**
